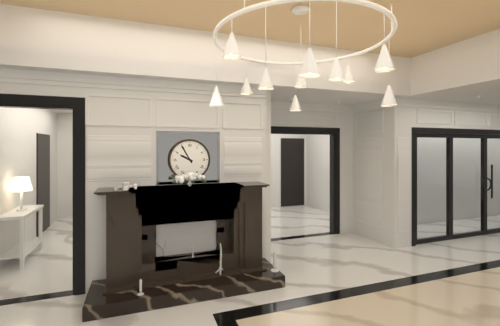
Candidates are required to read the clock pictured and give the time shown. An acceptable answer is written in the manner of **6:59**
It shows **9:55**
